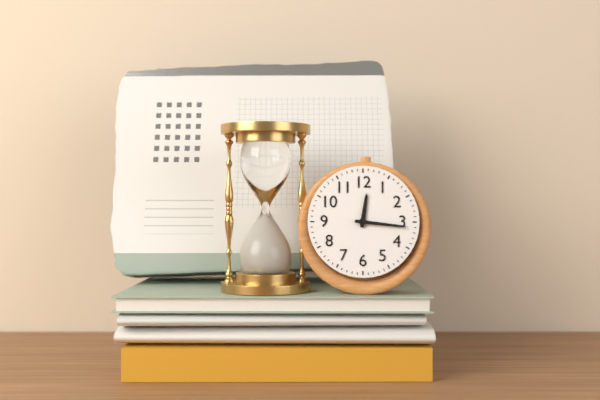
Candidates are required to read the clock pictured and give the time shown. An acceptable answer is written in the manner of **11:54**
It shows **12:16**
